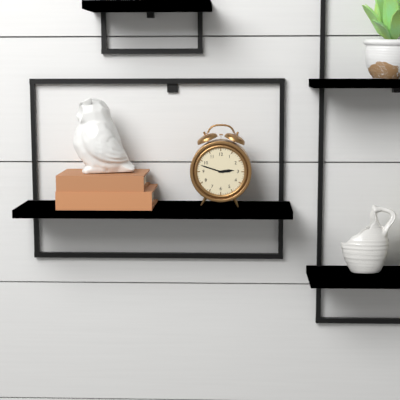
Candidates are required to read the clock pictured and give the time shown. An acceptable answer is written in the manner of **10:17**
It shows **2:48**
